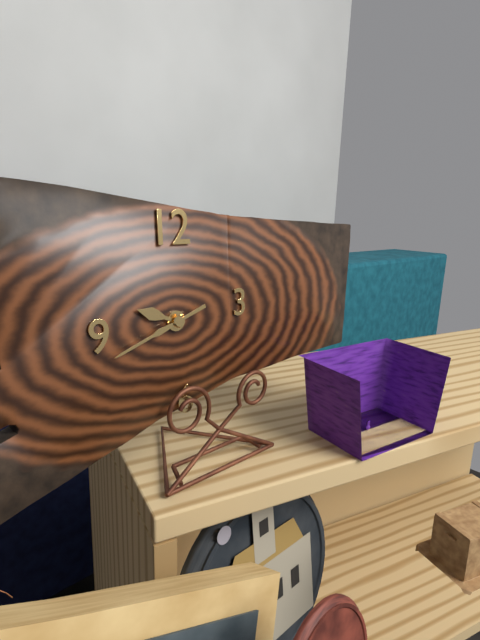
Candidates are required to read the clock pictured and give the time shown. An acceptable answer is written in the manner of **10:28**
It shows **9:42**
